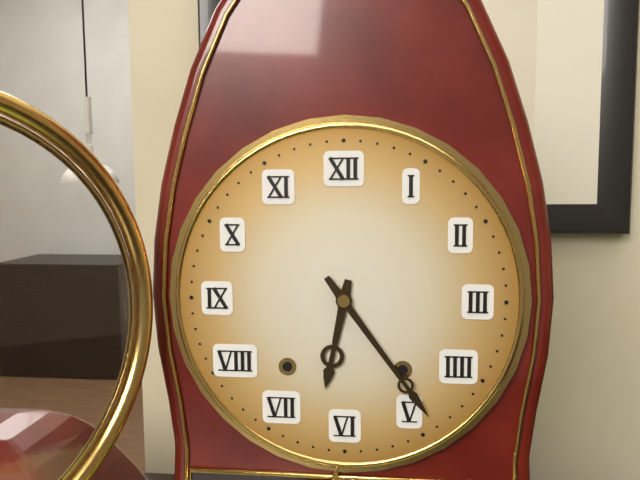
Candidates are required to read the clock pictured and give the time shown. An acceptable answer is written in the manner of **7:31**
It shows **6:24**
